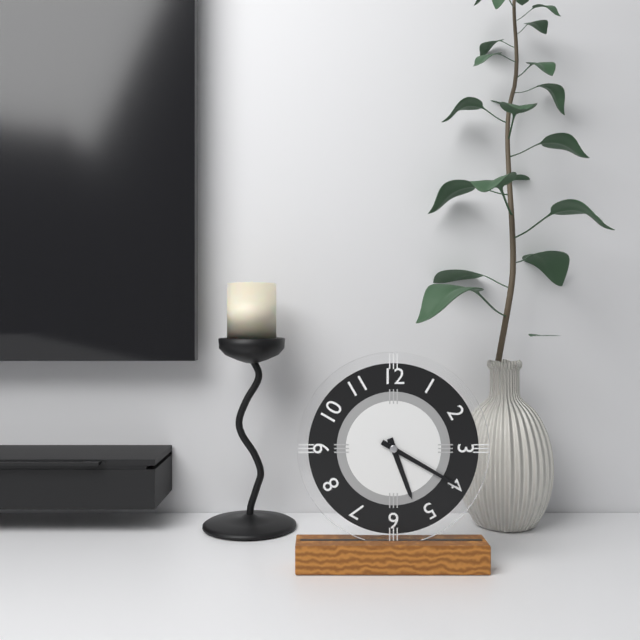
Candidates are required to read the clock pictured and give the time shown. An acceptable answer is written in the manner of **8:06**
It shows **5:20**
